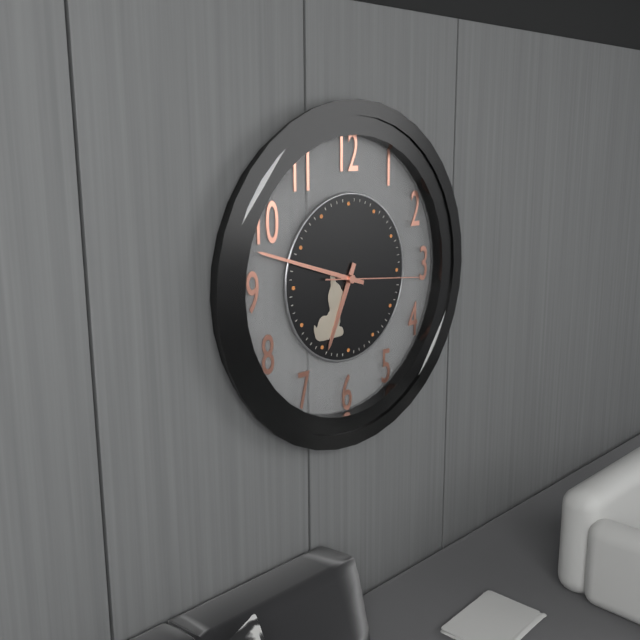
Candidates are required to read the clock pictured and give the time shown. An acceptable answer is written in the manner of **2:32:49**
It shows **6:48:16**
